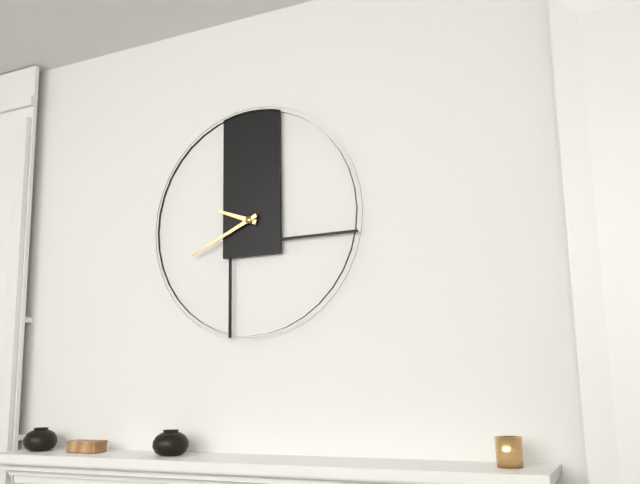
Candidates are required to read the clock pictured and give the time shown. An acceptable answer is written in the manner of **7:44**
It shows **9:41**
